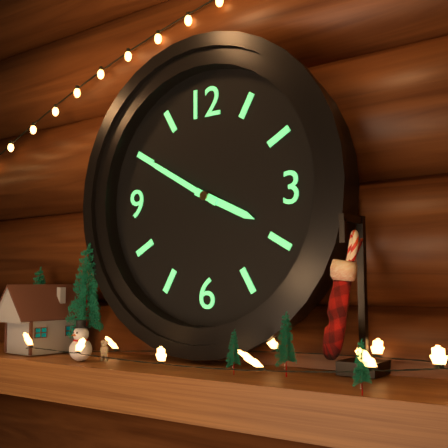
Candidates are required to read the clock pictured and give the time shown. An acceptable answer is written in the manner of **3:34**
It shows **3:50**
